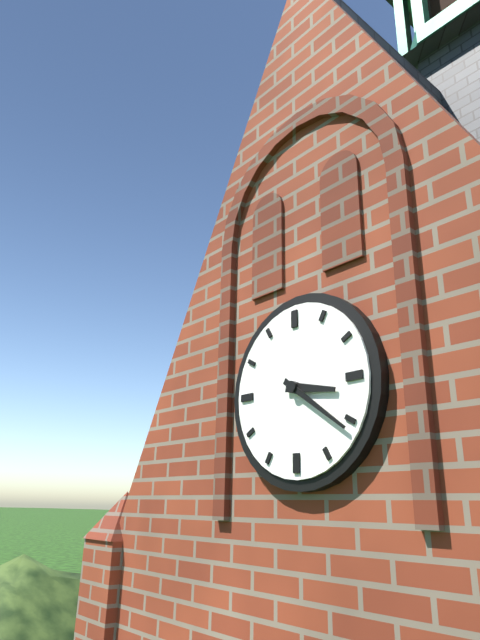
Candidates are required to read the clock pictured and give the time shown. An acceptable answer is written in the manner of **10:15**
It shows **3:21**
